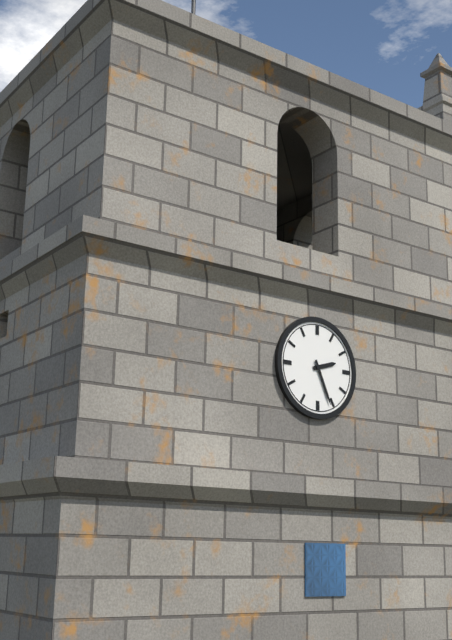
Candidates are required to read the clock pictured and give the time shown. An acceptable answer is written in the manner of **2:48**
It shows **2:26**
